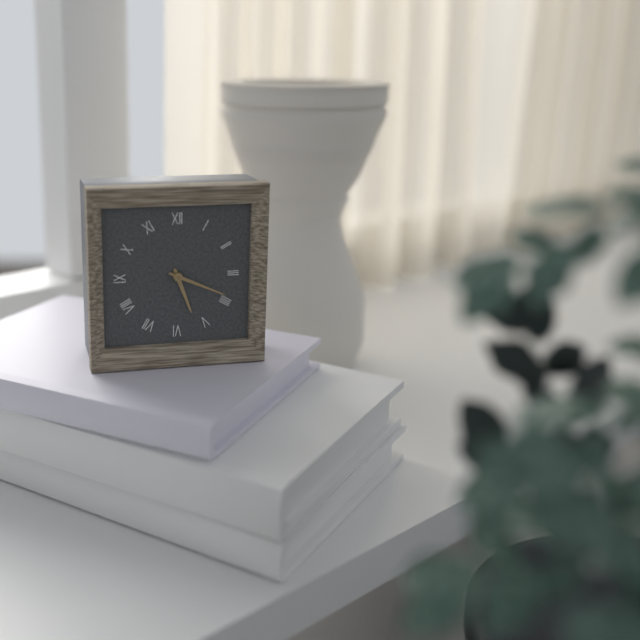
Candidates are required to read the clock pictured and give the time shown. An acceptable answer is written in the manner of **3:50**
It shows **5:19**
